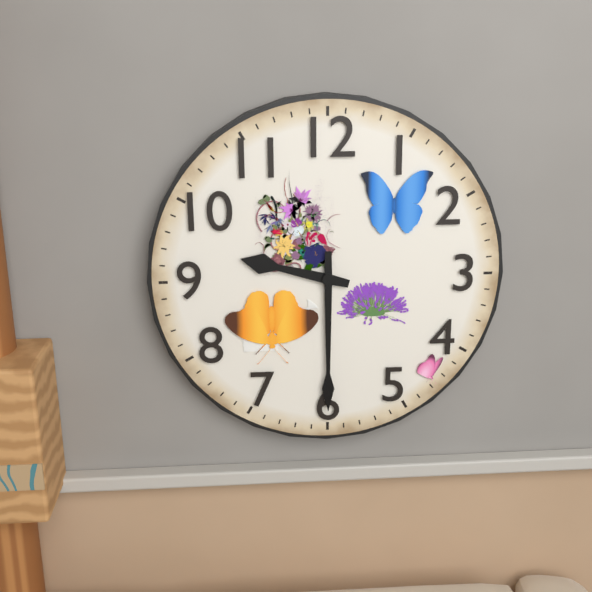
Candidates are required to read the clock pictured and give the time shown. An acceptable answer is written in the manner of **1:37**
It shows **9:30**
